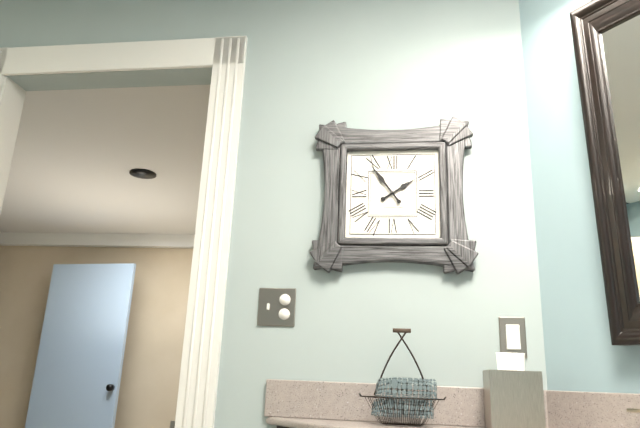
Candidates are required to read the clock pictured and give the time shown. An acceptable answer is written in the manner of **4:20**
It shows **1:54**
